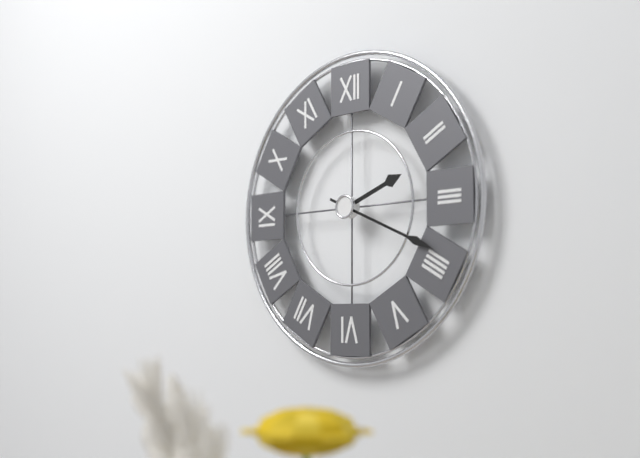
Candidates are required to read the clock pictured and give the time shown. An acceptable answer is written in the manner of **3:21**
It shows **2:19**
